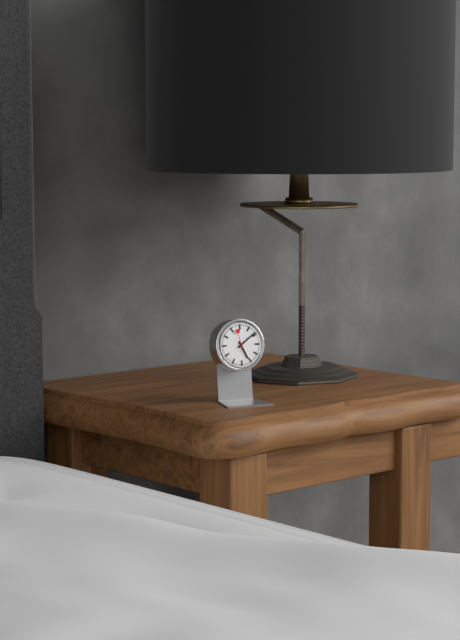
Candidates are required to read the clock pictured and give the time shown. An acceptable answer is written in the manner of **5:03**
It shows **5:09**
